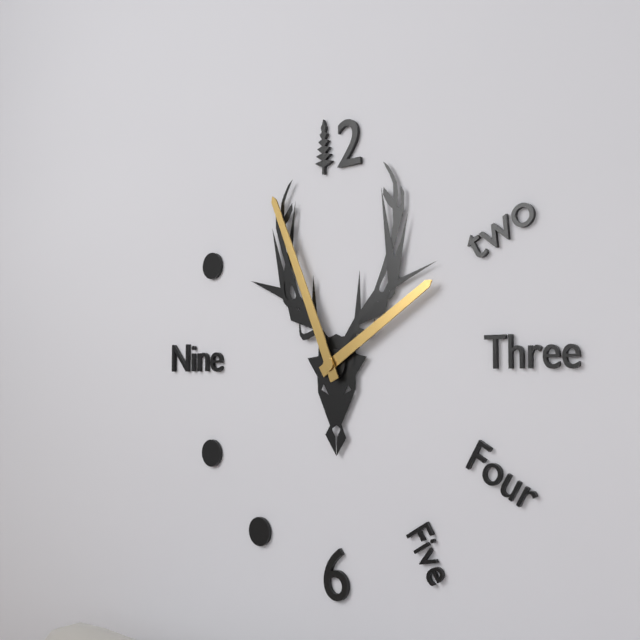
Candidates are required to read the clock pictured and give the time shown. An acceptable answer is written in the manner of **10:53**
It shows **1:56**
